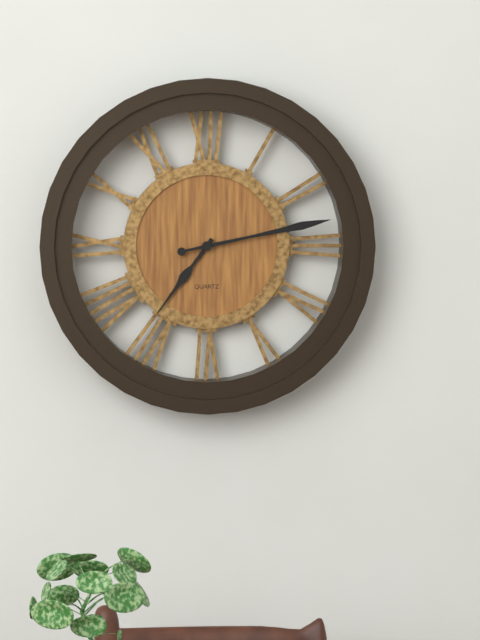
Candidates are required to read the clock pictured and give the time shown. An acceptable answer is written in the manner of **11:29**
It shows **7:13**
